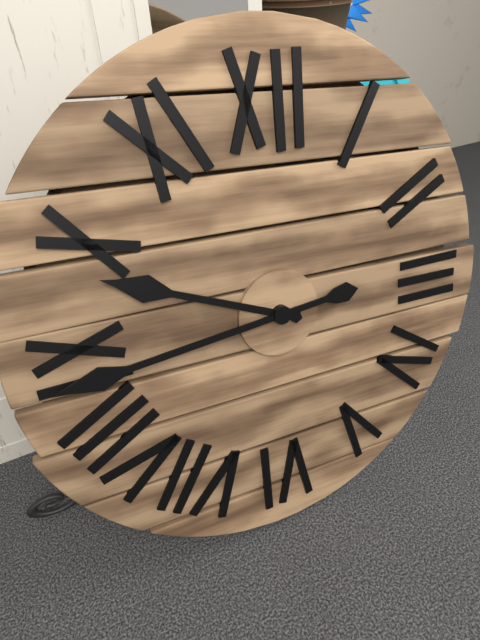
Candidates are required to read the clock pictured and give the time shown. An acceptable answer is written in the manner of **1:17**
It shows **9:44**
